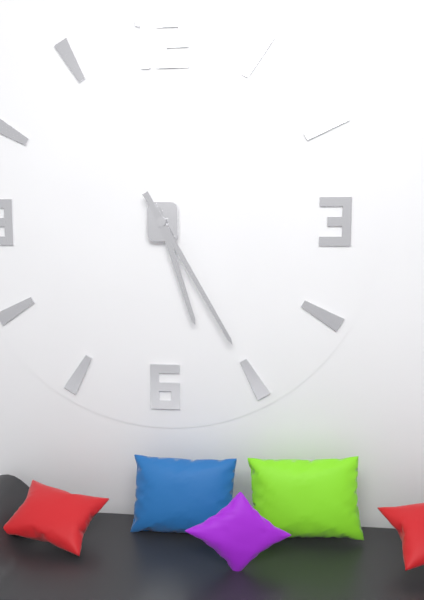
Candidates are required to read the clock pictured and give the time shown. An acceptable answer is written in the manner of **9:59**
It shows **5:25**
